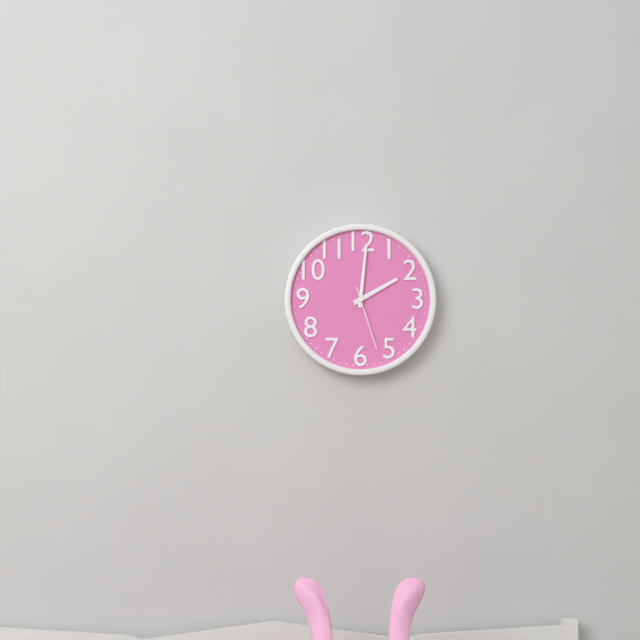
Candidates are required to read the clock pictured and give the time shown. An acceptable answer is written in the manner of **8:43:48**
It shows **2:01:27**
